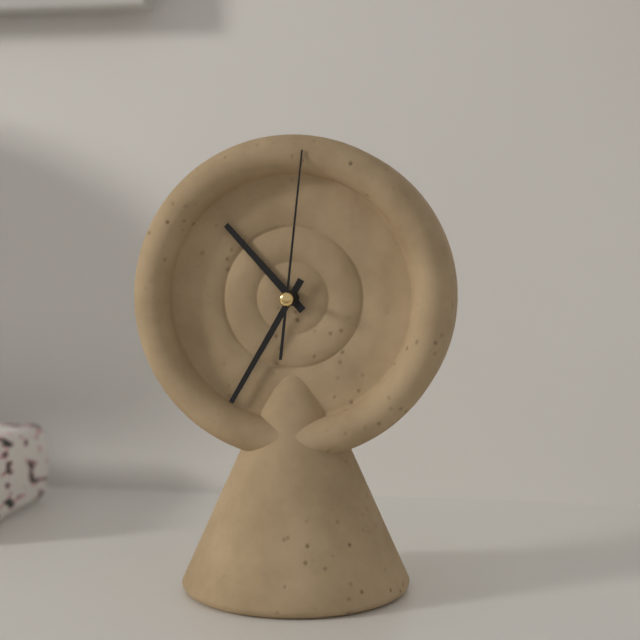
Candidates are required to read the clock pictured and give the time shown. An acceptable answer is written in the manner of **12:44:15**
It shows **10:35:01**
